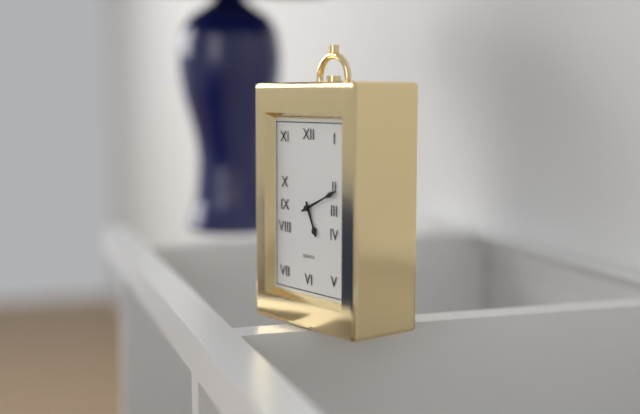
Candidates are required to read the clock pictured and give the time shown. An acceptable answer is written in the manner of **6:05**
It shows **5:11**
